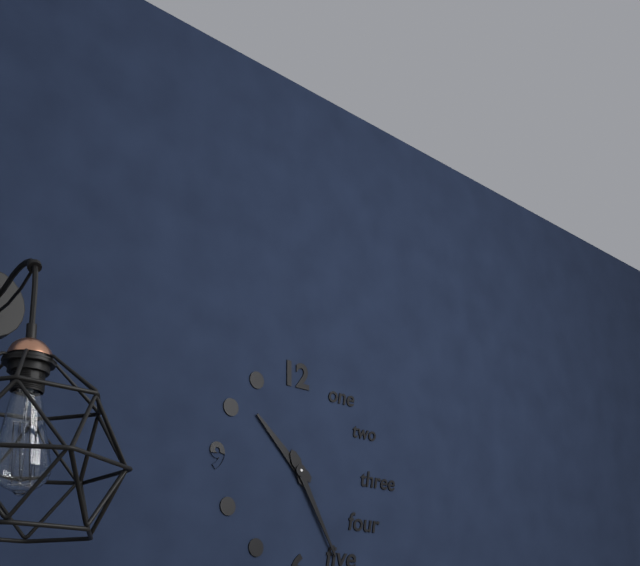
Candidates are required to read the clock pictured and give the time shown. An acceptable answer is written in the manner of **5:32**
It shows **10:25**
